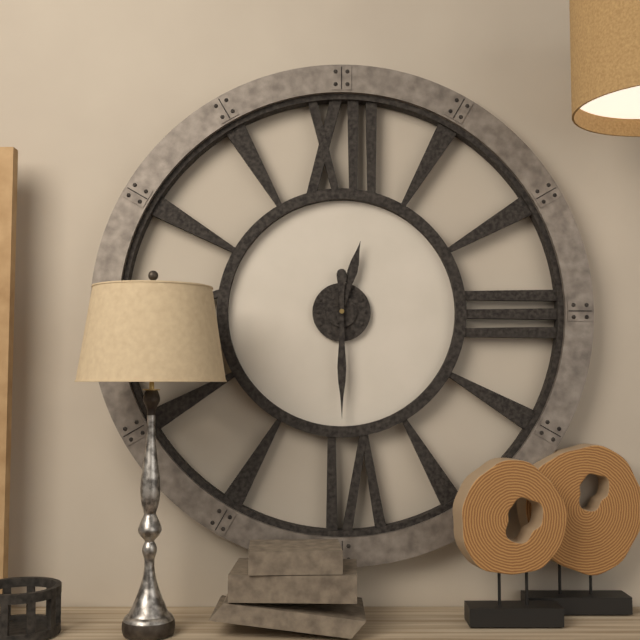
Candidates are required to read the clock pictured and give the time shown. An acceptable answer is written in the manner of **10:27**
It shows **12:30**
